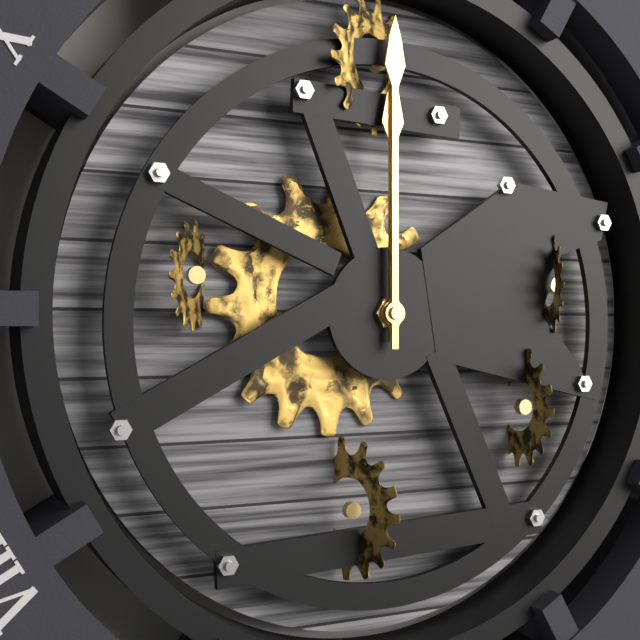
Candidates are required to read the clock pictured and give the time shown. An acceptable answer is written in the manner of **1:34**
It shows **12:00**
